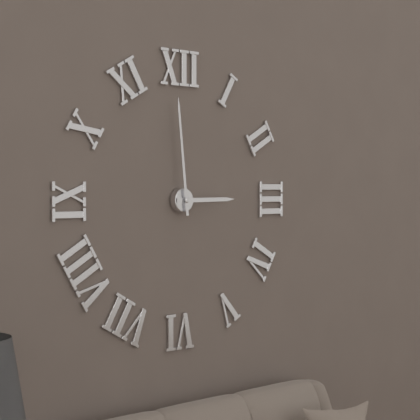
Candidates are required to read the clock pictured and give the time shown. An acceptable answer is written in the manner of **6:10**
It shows **2:59**
